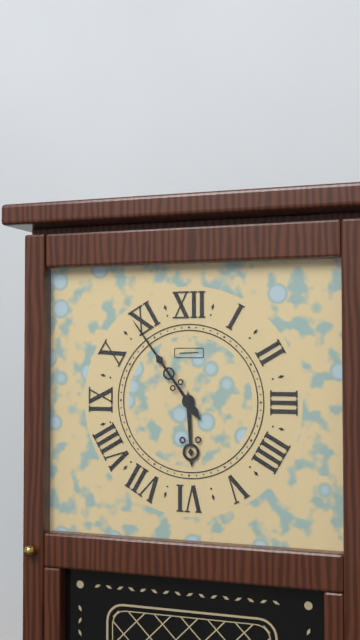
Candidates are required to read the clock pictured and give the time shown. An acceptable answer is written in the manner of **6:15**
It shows **5:54**
